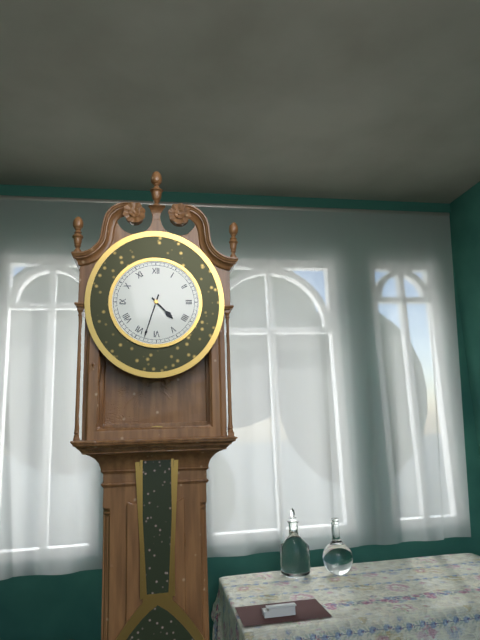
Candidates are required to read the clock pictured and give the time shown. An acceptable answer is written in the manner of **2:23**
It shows **4:33**
